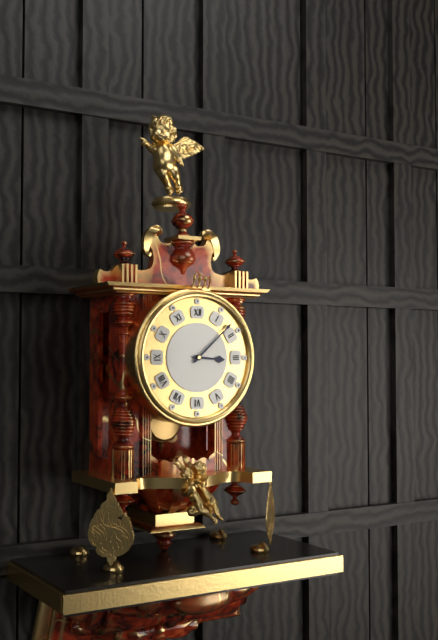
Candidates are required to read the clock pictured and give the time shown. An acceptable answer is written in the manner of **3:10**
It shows **3:08**
